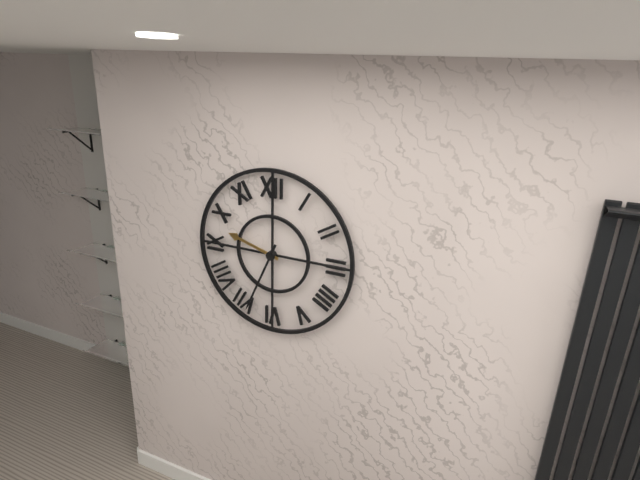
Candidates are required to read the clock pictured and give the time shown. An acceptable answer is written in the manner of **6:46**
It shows **9:34**
